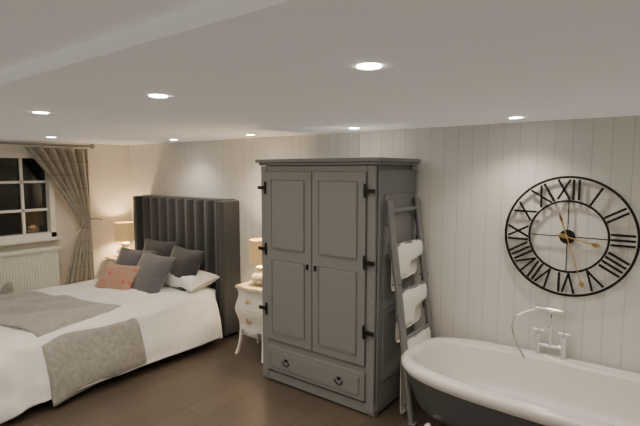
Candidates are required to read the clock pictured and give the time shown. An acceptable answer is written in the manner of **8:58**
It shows **3:27**
